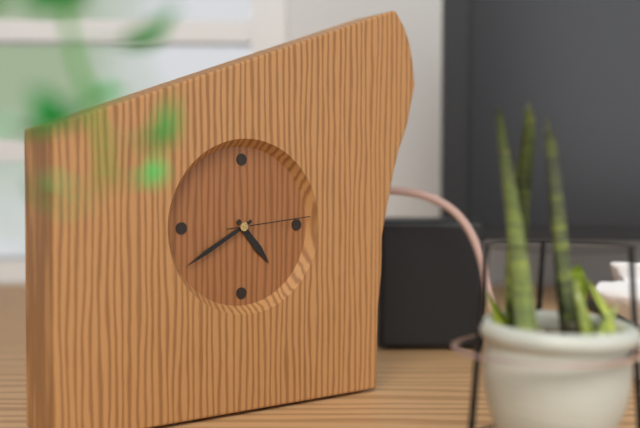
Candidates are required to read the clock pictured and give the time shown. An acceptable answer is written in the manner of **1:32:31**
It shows **4:40:14**
